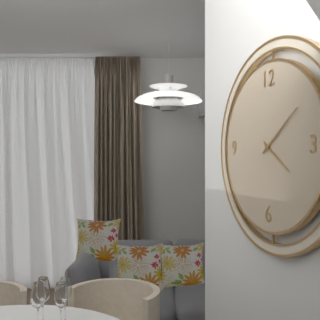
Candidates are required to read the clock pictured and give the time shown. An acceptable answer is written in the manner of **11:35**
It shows **4:09**
